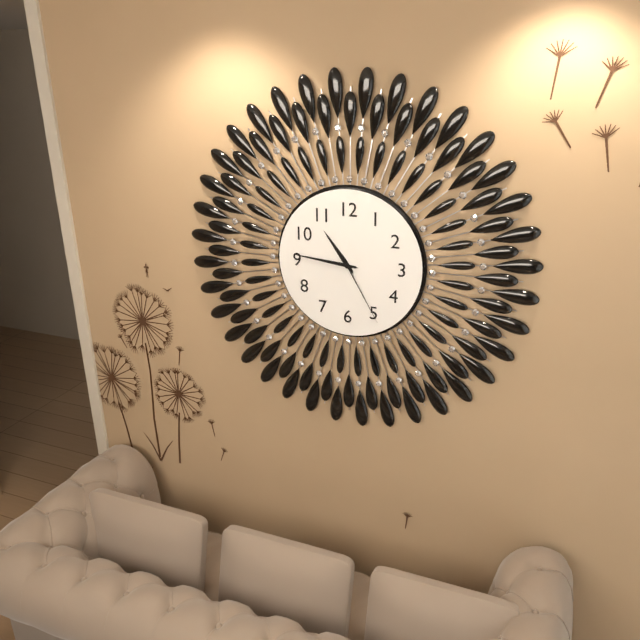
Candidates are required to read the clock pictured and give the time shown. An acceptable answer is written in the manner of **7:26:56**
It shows **10:46:25**
